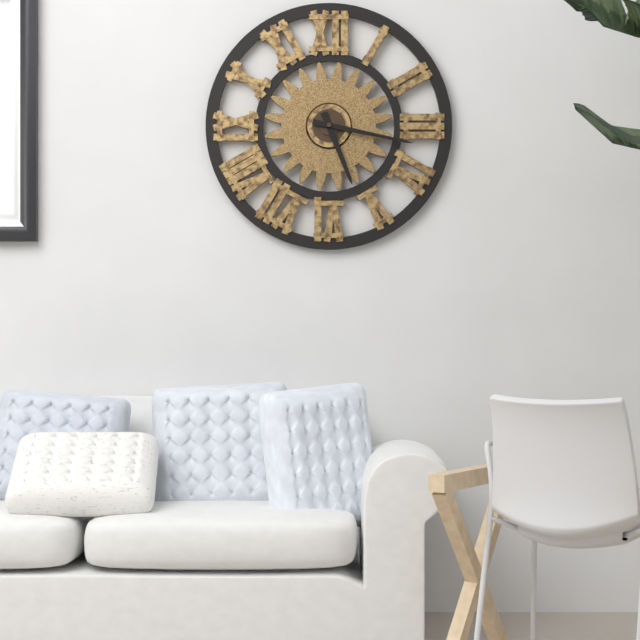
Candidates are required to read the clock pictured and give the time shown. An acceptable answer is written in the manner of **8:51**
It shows **5:17**
